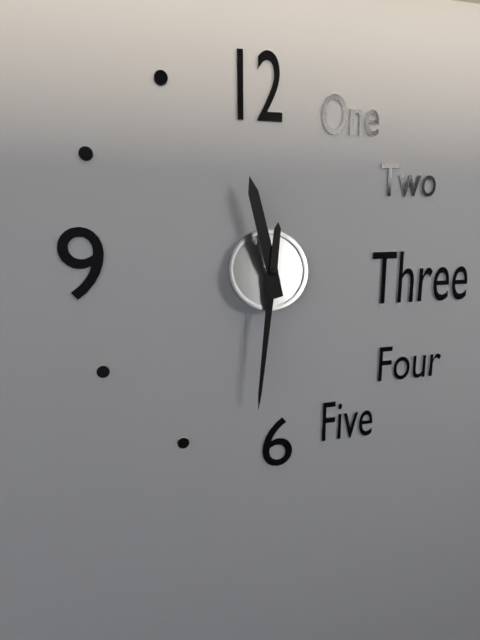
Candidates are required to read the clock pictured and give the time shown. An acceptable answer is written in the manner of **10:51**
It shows **11:31**
